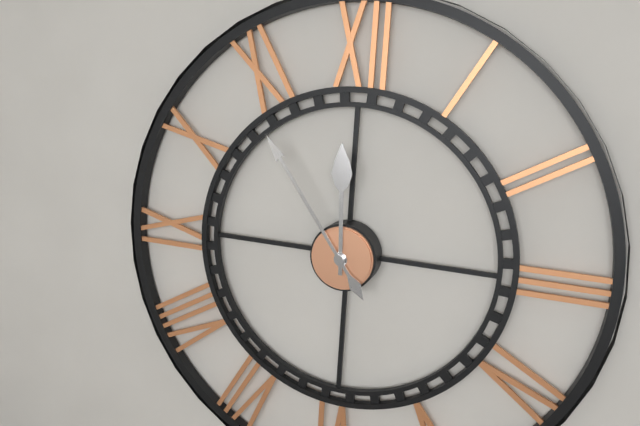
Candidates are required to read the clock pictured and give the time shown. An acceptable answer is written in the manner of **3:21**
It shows **11:54**
